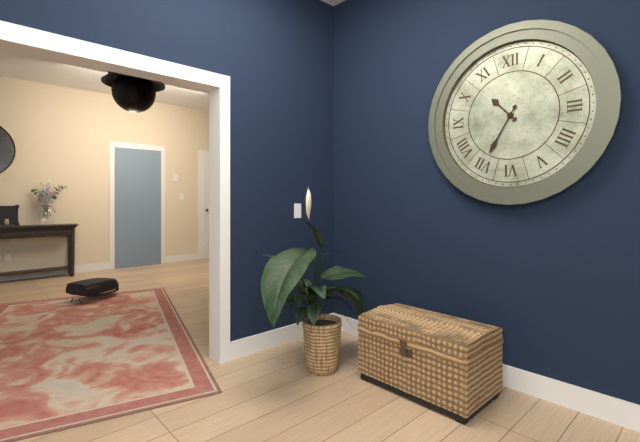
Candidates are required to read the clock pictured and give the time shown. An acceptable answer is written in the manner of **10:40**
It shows **10:35**
